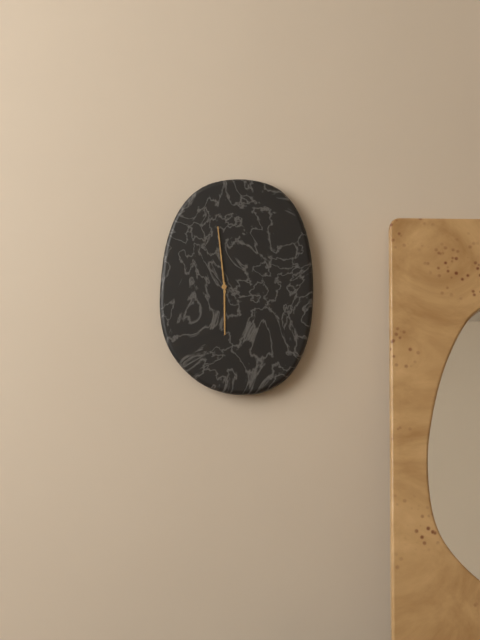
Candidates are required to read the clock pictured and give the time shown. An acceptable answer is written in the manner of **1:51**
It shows **5:59**
